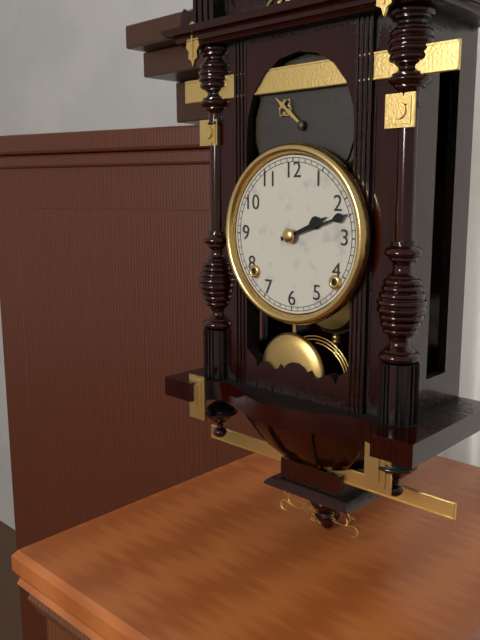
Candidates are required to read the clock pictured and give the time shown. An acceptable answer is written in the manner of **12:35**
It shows **2:12**
